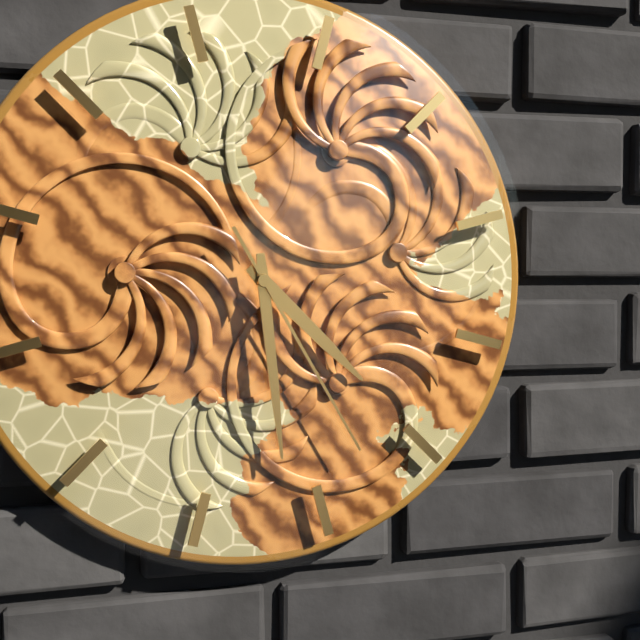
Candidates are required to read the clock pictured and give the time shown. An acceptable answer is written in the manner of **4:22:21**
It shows **4:29:25**
